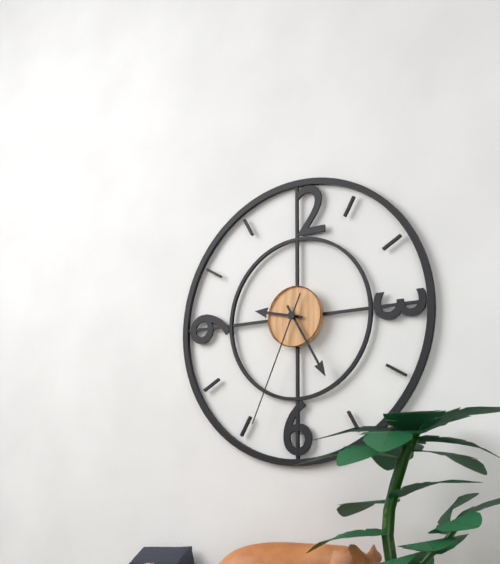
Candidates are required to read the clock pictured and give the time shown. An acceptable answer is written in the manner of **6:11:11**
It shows **9:25:34**
